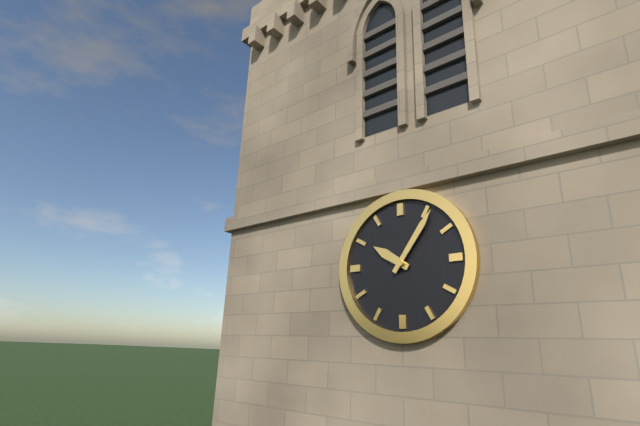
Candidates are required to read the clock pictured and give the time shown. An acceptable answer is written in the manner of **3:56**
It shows **10:06**
